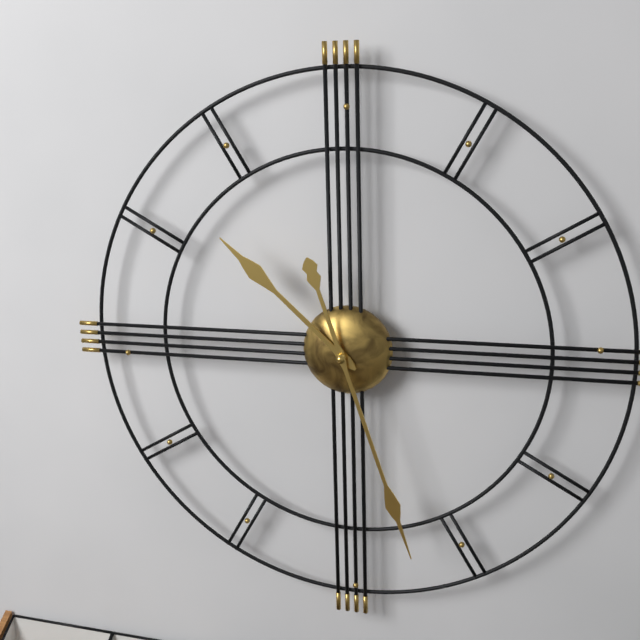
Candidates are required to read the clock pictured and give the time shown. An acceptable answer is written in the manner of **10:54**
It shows **10:27**
